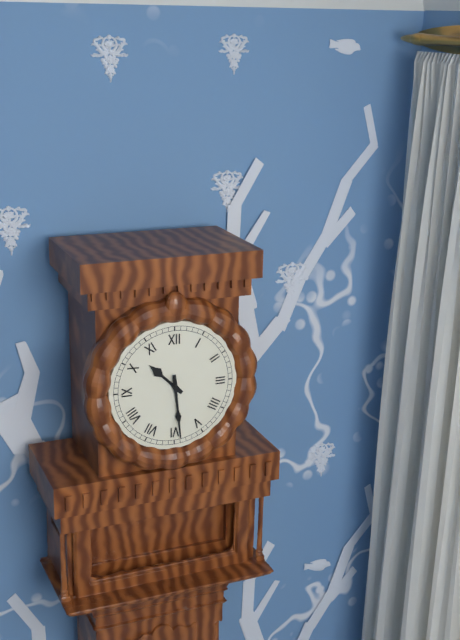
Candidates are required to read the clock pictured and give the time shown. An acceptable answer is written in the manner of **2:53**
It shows **10:29**
